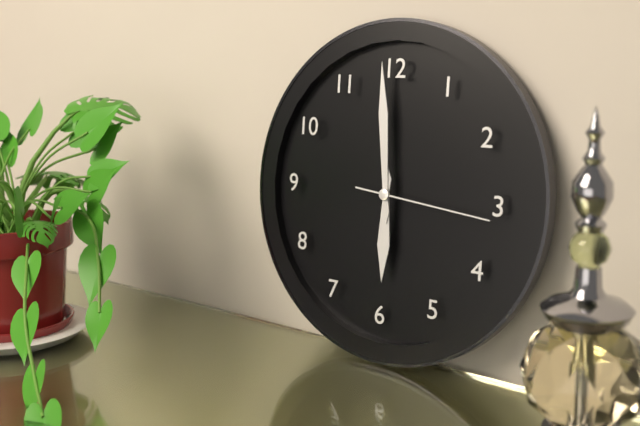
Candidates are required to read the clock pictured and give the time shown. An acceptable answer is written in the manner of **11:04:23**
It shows **5:59:16**
